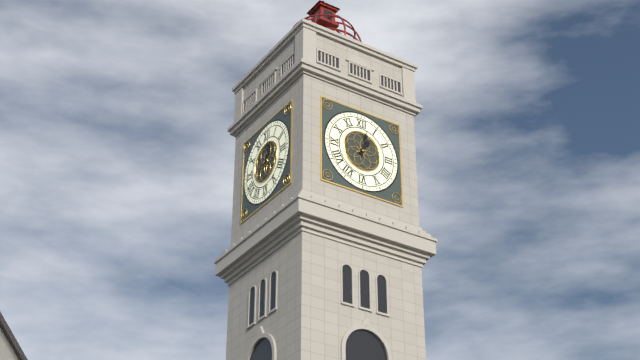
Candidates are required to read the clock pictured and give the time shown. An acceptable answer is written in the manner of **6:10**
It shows **1:02**
